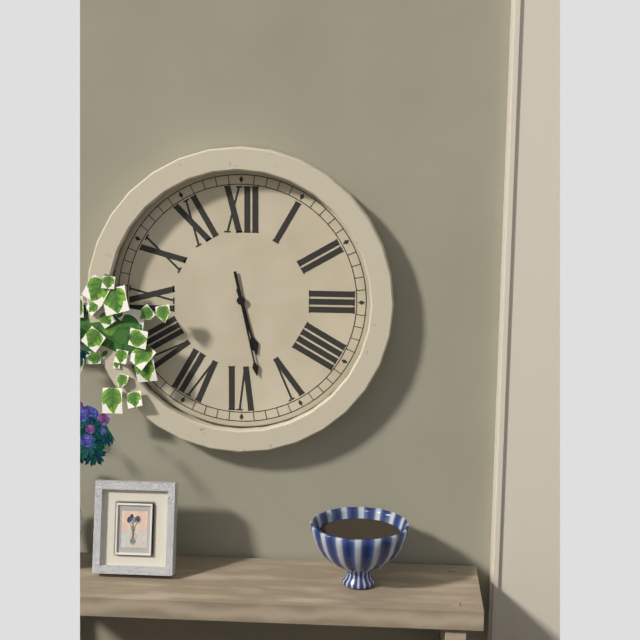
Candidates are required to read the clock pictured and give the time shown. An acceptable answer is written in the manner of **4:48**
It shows **5:28**
